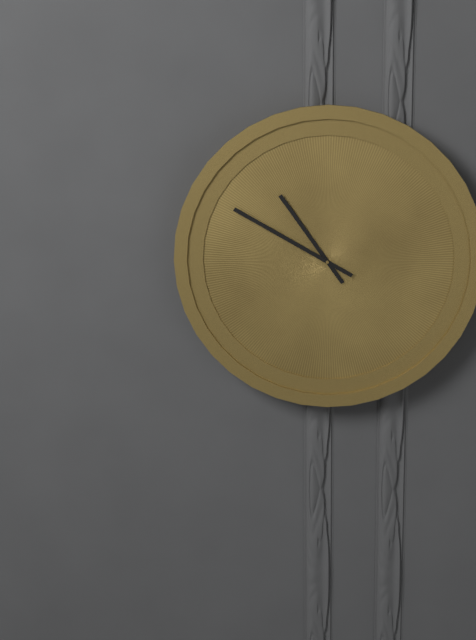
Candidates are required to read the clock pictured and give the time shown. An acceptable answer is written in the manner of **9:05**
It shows **10:50**
